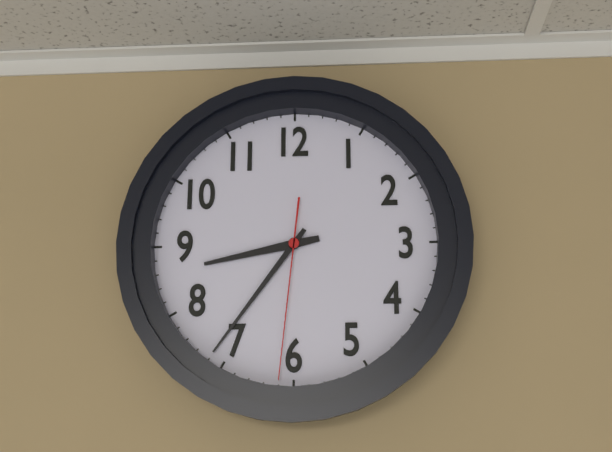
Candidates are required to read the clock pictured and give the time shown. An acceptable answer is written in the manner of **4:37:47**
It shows **8:36:31**
